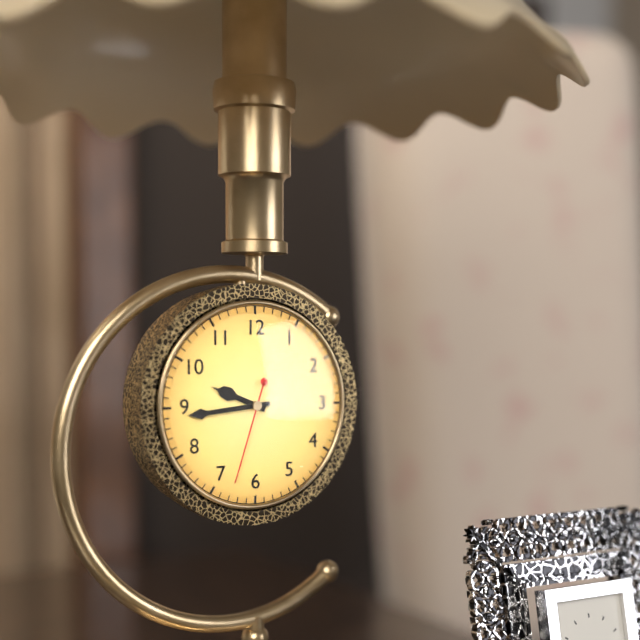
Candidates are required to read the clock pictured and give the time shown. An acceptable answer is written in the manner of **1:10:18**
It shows **9:44:33**
